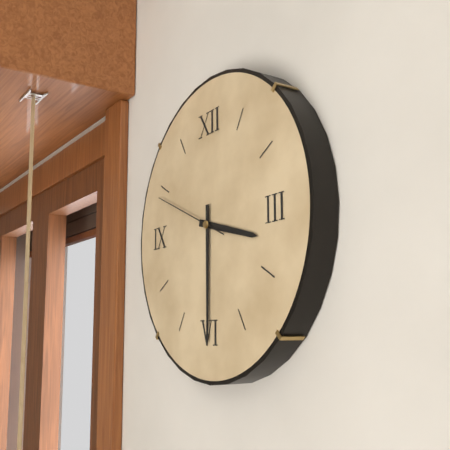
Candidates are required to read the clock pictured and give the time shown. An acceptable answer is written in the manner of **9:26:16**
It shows **3:30:49**
